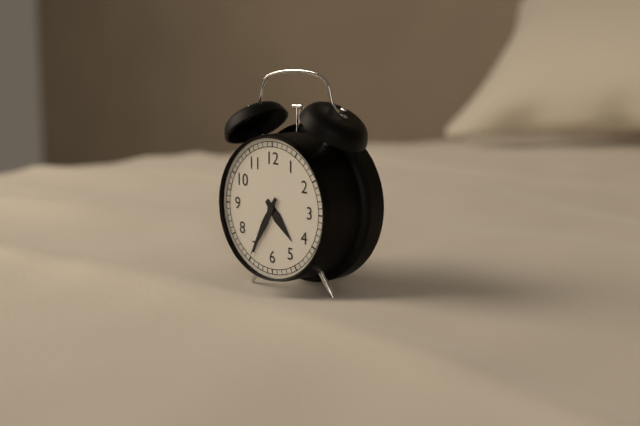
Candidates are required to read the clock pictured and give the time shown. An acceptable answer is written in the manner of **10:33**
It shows **4:35**
